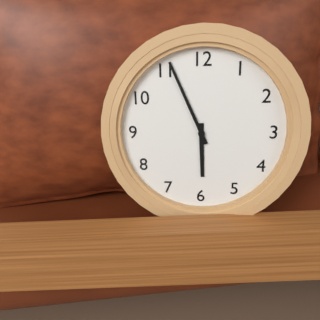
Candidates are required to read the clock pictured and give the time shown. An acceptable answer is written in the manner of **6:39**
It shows **5:56**
